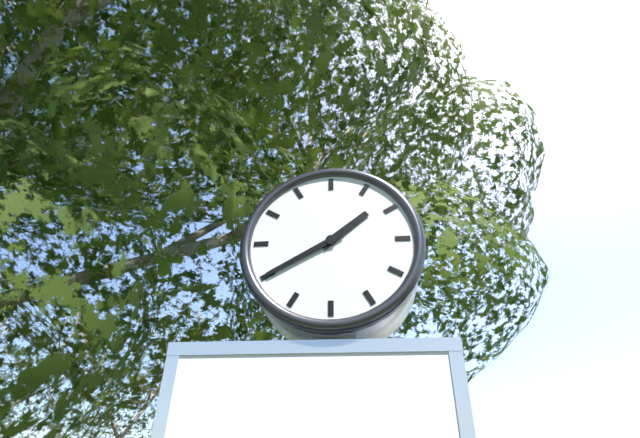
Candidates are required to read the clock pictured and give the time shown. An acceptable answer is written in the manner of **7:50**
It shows **1:40**
